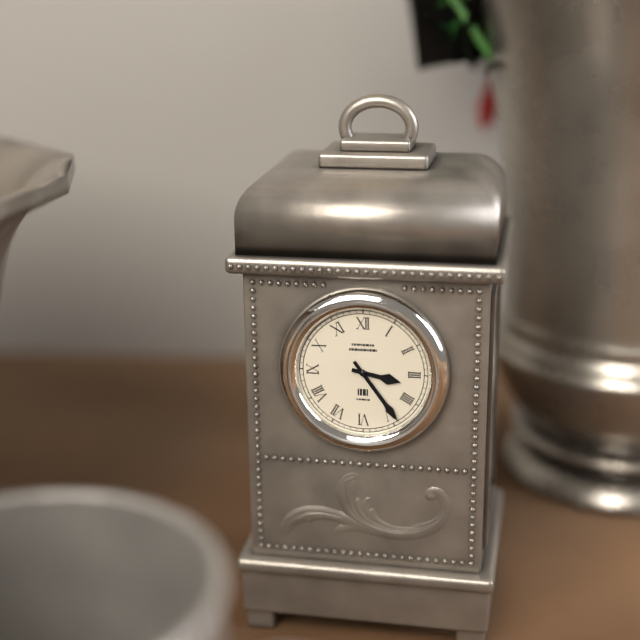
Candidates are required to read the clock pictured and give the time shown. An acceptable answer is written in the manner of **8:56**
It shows **3:24**
